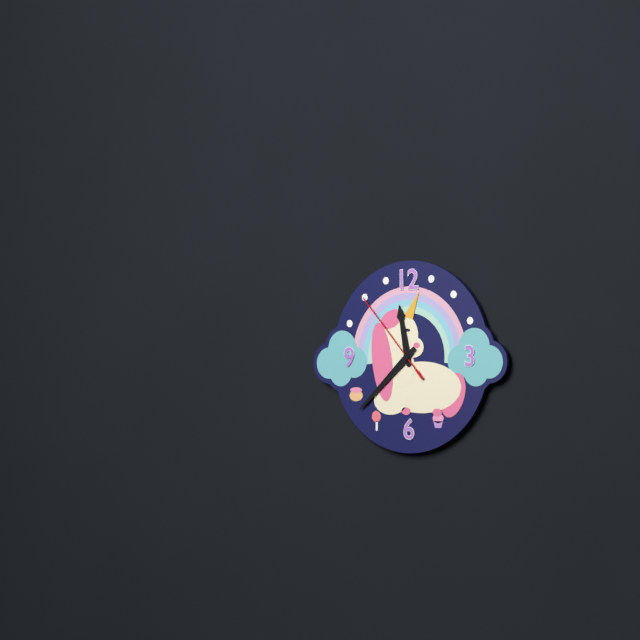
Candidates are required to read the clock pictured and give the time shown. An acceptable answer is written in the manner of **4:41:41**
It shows **11:38:53**
